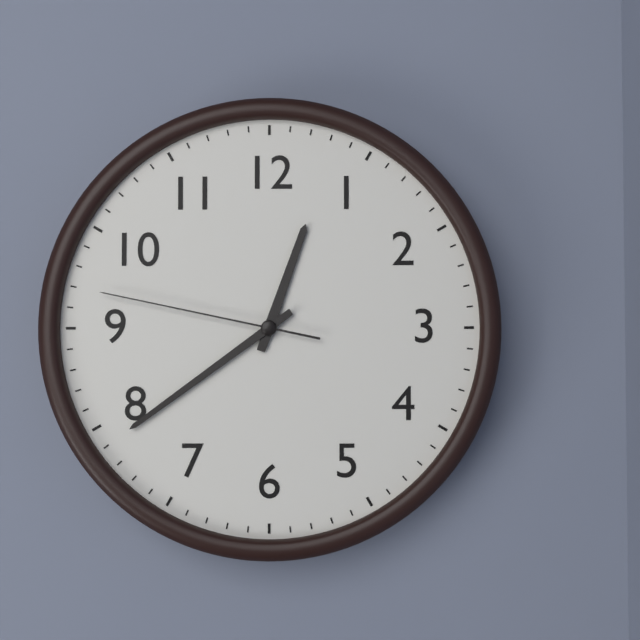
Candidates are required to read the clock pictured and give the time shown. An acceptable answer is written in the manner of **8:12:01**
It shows **12:39:47**
